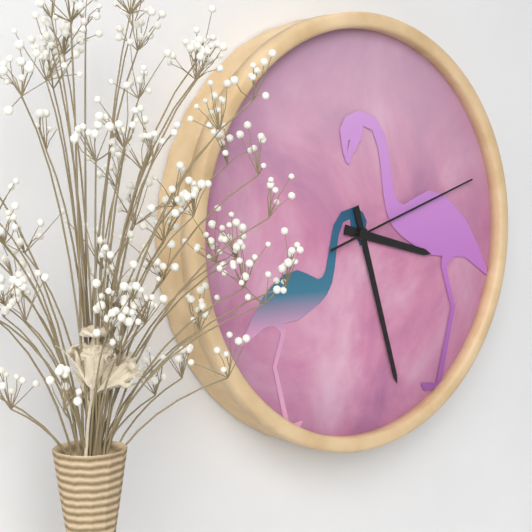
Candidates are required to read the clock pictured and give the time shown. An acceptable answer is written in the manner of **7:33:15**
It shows **3:27:12**
